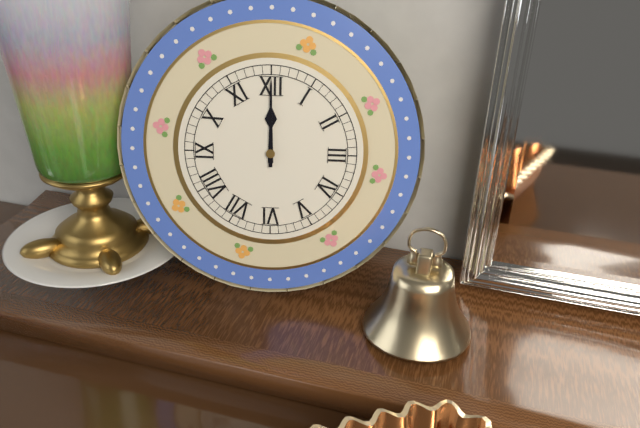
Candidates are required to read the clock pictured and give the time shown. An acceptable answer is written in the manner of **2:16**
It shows **12:00**
